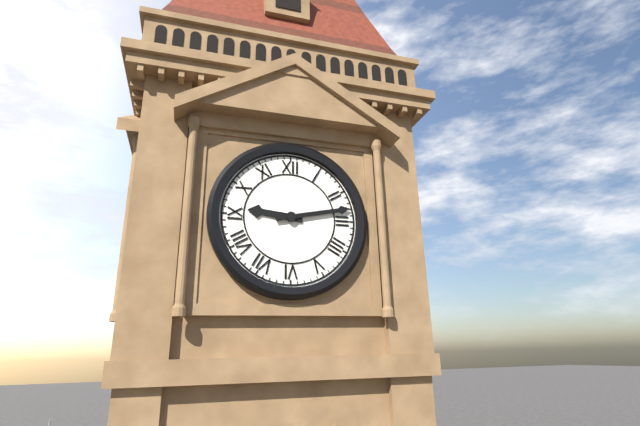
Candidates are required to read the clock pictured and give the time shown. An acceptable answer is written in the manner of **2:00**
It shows **9:13**
